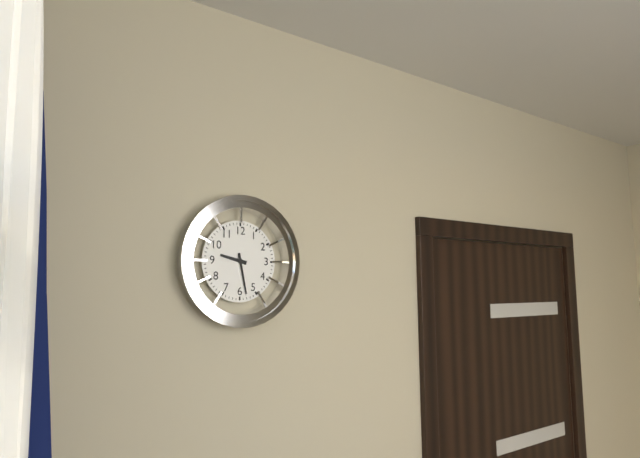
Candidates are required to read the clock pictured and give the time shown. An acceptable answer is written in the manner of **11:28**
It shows **9:28**
